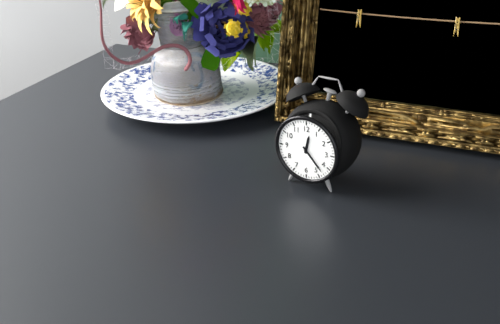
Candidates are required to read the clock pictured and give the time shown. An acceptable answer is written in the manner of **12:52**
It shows **12:23**
